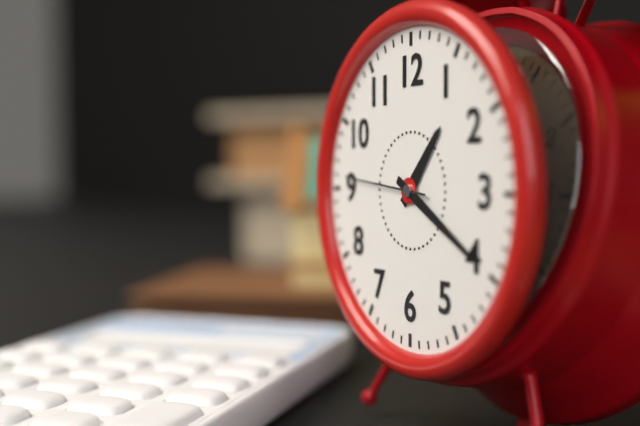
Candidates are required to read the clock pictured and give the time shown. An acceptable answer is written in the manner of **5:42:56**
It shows **1:20:46**
